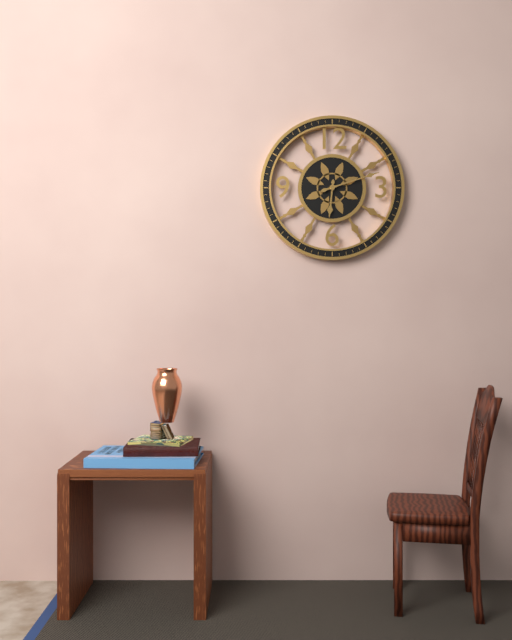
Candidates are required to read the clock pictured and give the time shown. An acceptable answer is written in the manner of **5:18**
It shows **6:12**
